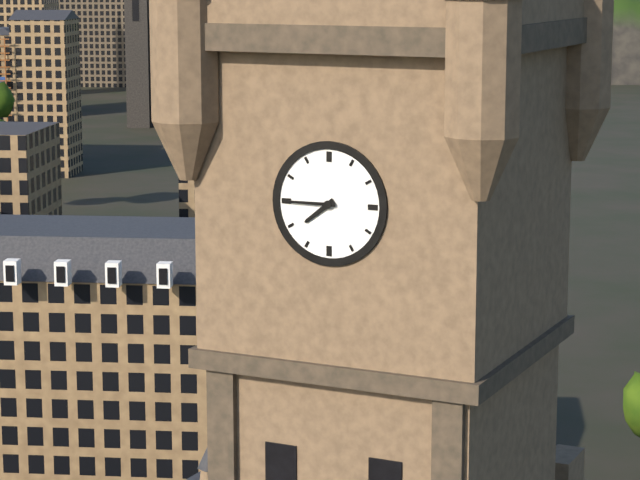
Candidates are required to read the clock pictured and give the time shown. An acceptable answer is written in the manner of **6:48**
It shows **7:45**
